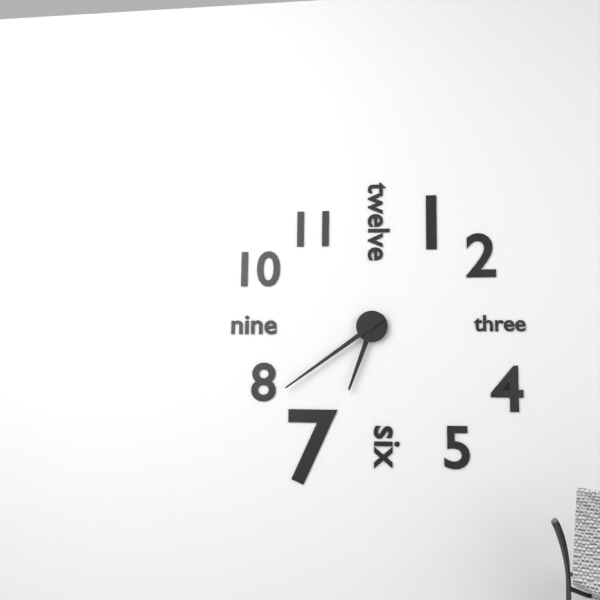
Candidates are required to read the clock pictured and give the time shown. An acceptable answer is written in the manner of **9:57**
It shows **6:39**
